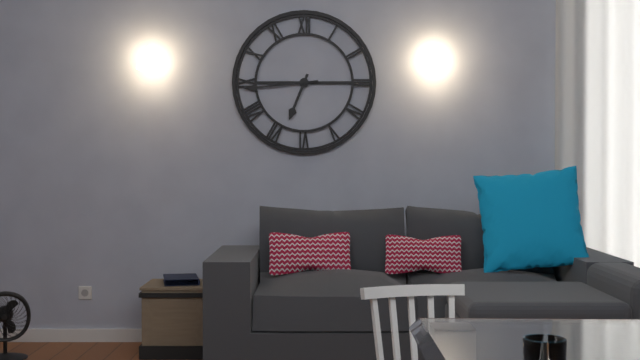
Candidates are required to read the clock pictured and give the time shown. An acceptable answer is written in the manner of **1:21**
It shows **6:44**
